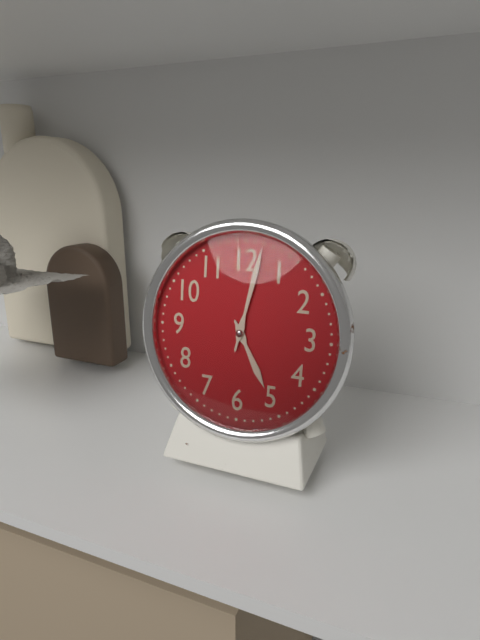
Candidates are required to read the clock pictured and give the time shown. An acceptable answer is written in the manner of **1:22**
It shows **5:02**
